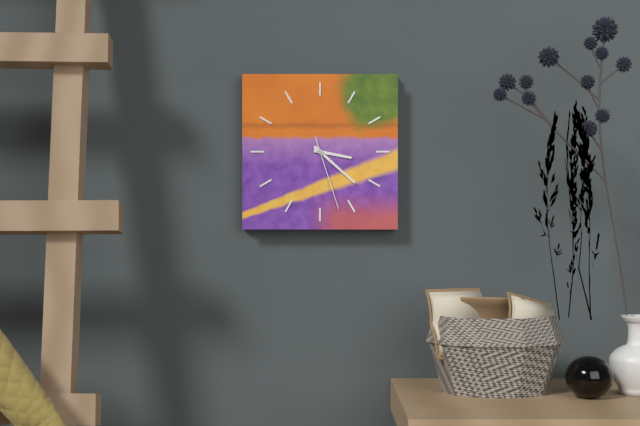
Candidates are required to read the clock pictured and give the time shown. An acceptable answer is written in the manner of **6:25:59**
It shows **3:22:27**
